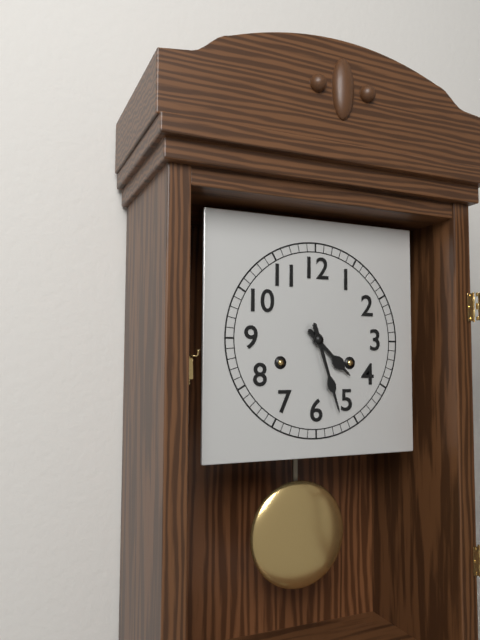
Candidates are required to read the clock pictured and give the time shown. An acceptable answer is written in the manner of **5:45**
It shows **4:27**
